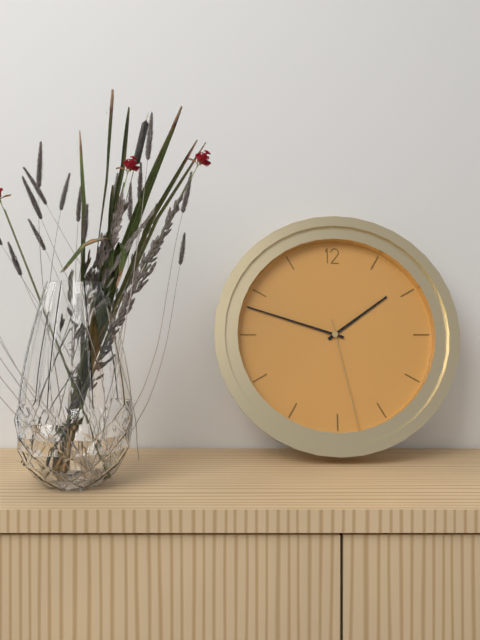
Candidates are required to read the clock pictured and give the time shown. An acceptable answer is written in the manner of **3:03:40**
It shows **1:48:28**
